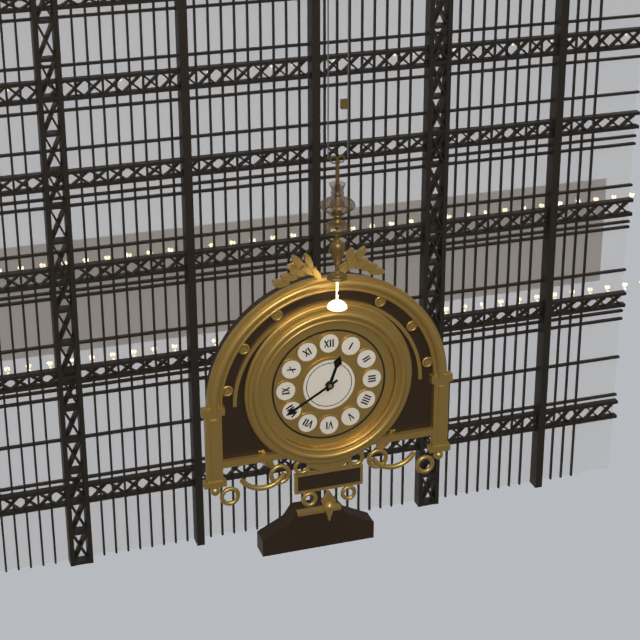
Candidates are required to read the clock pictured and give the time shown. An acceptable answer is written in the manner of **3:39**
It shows **12:40**
